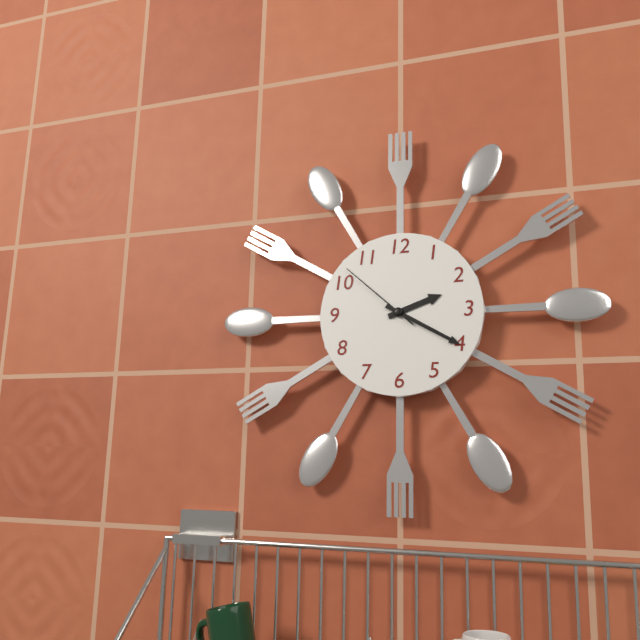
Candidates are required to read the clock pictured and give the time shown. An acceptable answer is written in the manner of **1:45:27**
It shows **2:20:52**
